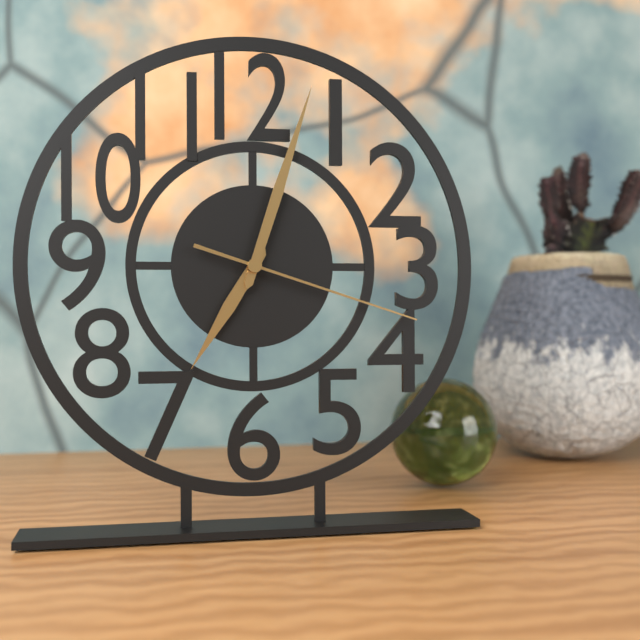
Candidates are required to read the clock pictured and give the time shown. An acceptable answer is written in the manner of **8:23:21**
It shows **7:03:18**
